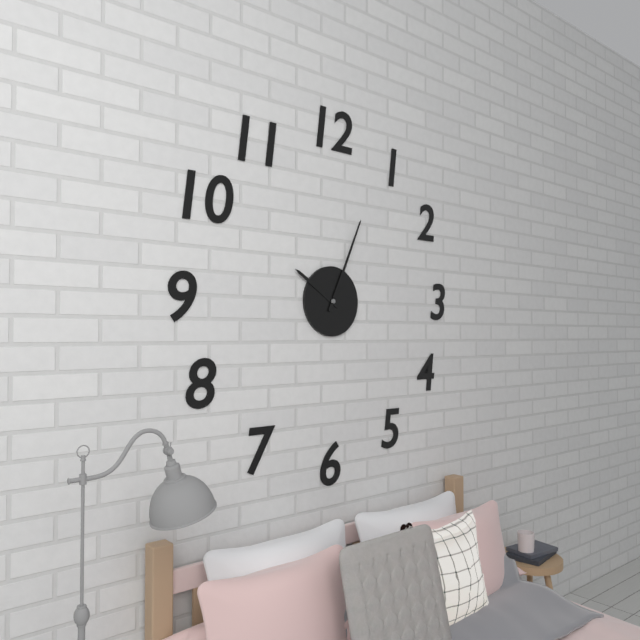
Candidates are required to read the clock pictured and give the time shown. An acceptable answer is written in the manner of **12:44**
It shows **10:04**
